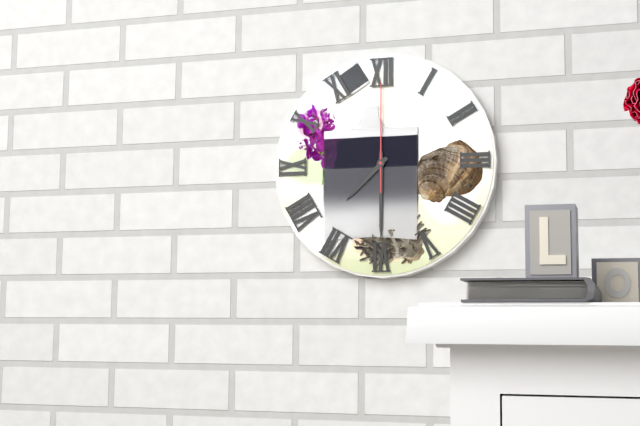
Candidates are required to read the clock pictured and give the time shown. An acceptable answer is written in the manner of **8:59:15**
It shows **7:30:00**
